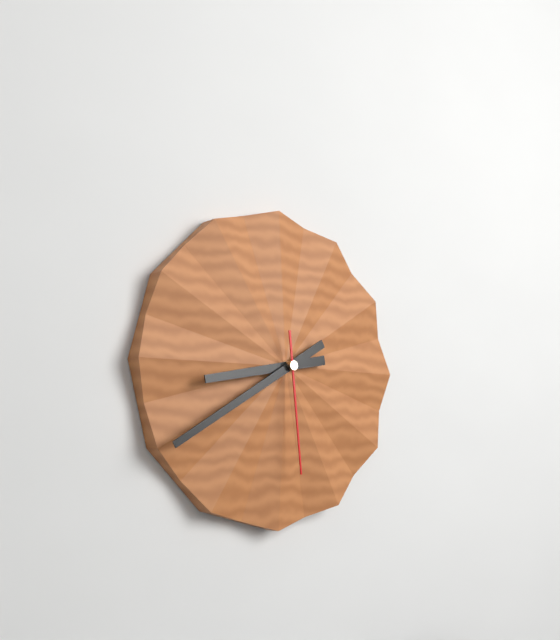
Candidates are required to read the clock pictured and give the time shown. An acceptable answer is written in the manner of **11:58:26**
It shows **8:40:29**
